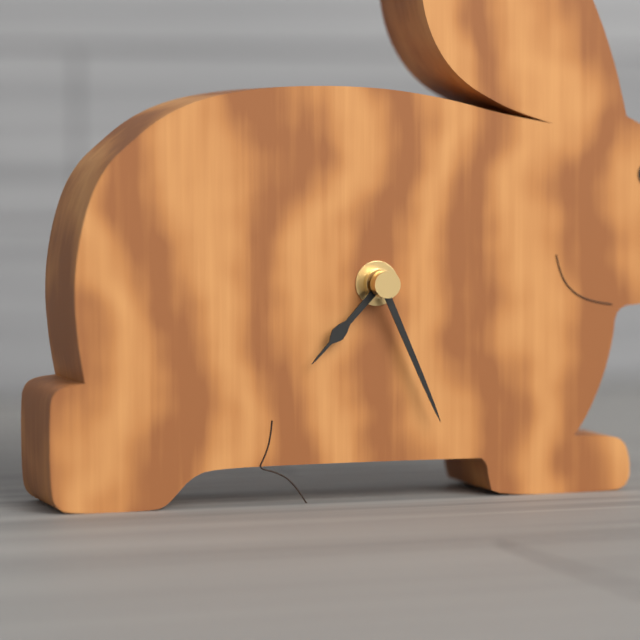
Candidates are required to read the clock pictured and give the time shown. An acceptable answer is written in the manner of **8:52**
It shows **7:26**
